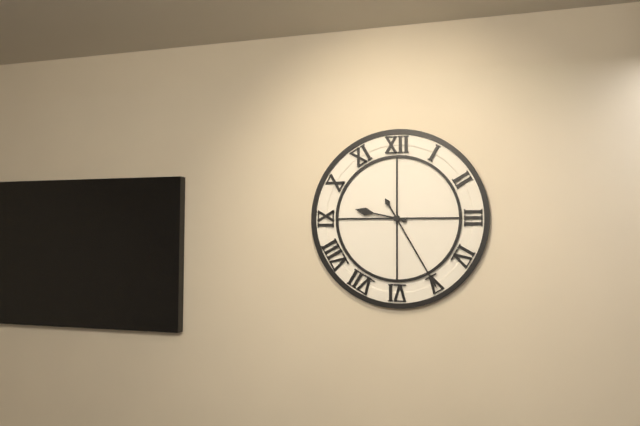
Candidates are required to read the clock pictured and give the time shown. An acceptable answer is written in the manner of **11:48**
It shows **9:25**
